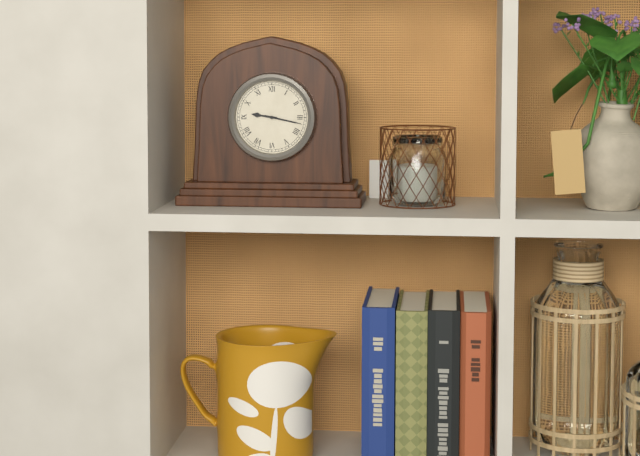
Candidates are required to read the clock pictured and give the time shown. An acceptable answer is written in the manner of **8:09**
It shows **9:17**
